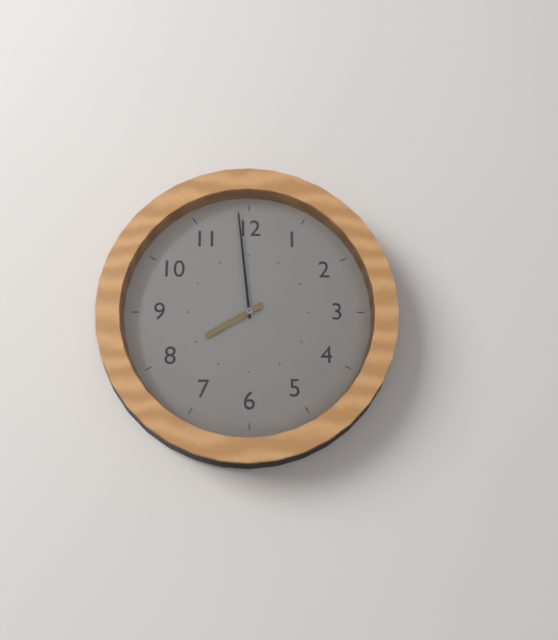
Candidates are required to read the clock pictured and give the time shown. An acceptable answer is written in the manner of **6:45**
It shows **7:59**
